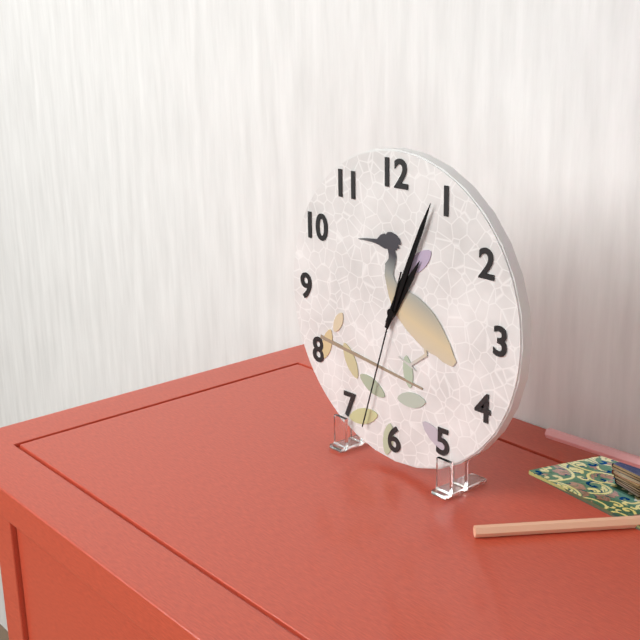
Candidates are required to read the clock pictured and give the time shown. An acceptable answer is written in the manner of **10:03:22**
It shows **1:04:33**
